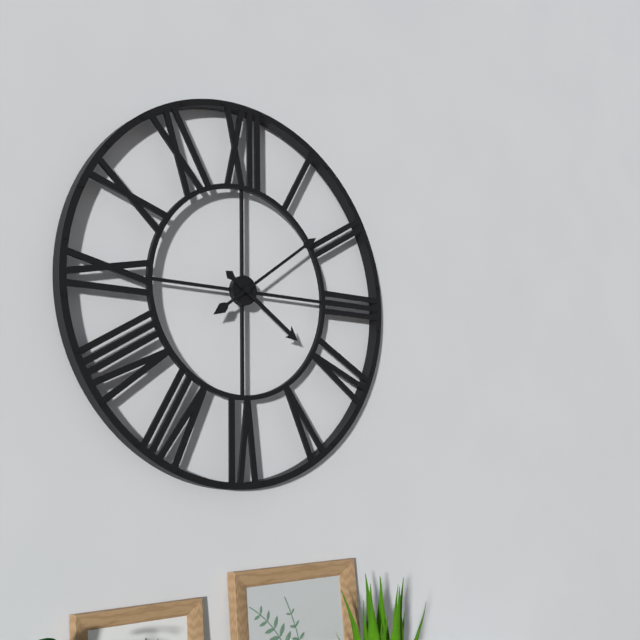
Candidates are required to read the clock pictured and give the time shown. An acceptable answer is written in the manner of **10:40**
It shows **4:09**
